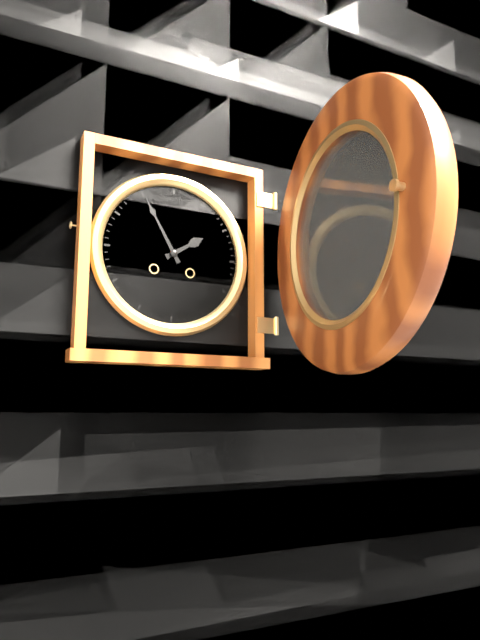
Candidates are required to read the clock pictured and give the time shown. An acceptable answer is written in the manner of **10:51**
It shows **1:55**
